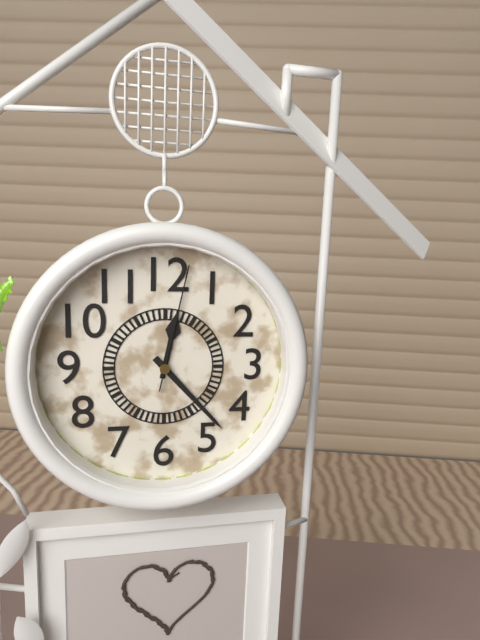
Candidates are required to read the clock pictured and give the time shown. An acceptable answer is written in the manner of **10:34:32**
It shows **12:23:02**
